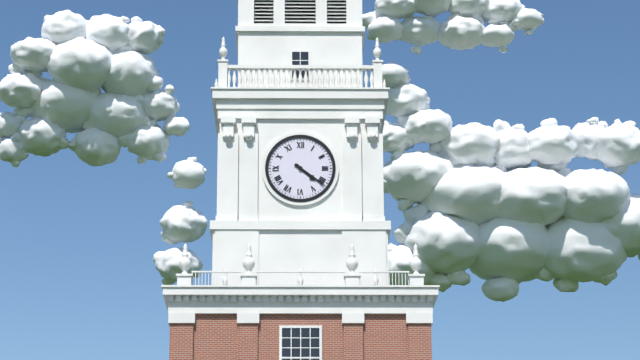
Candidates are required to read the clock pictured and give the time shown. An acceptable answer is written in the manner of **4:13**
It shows **4:21**
